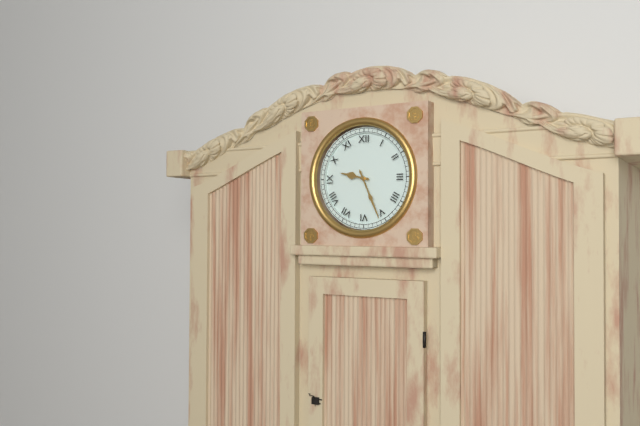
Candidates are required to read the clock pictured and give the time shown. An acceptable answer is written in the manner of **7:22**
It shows **9:26**
